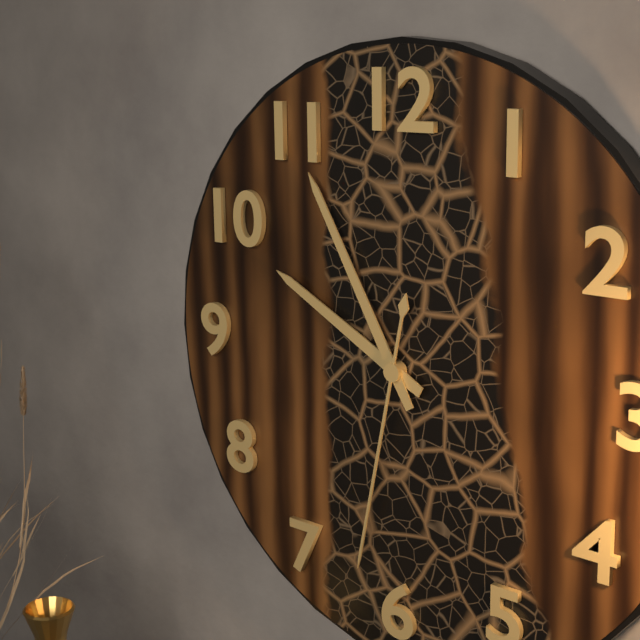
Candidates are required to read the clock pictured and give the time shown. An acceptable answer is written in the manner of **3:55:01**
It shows **9:55:32**
